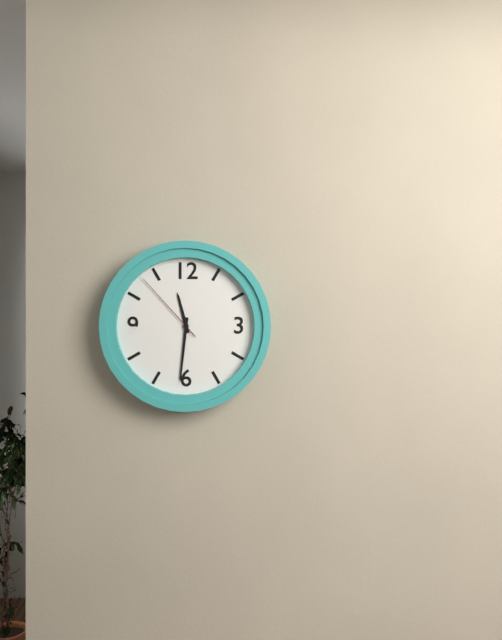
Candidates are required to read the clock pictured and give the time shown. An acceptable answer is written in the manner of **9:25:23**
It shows **11:31:53**
